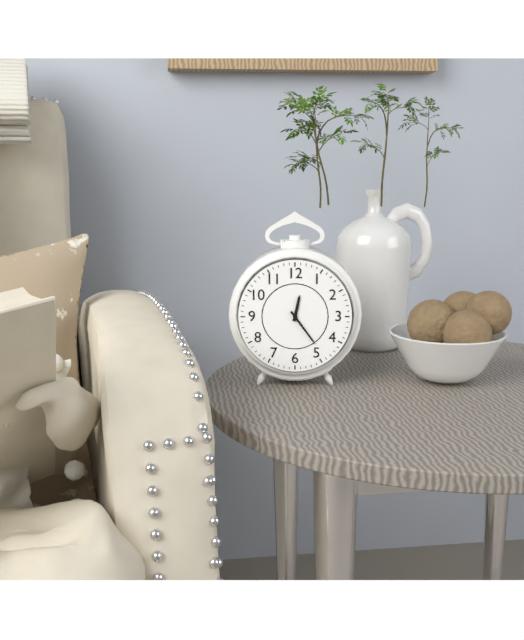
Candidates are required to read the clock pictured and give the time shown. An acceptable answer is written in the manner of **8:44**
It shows **12:24**
